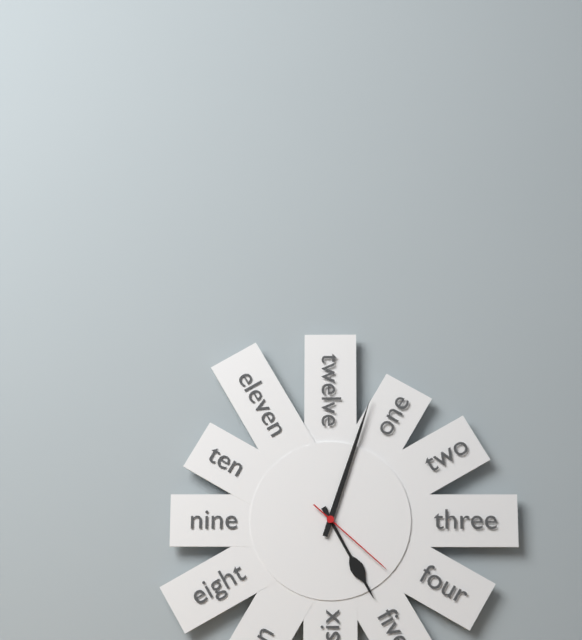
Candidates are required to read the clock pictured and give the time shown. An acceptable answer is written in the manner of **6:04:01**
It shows **5:03:22**
